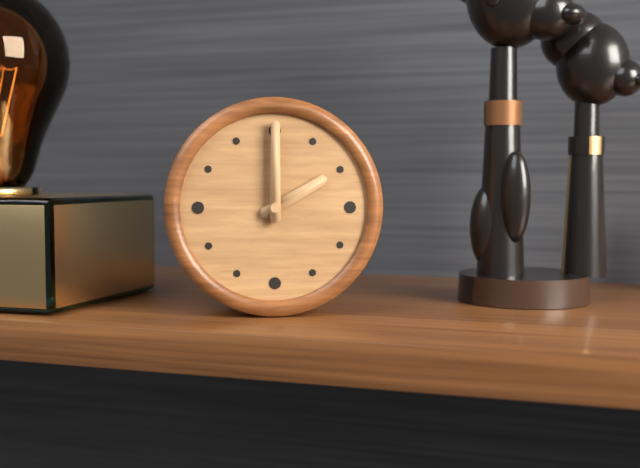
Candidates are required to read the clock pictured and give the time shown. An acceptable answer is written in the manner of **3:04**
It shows **2:00**
